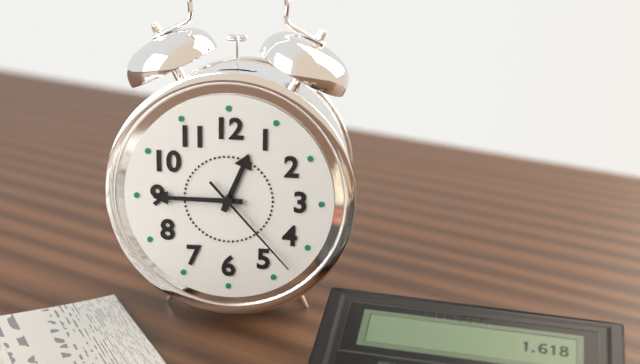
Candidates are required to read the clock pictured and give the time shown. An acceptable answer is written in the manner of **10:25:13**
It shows **12:45:23**
